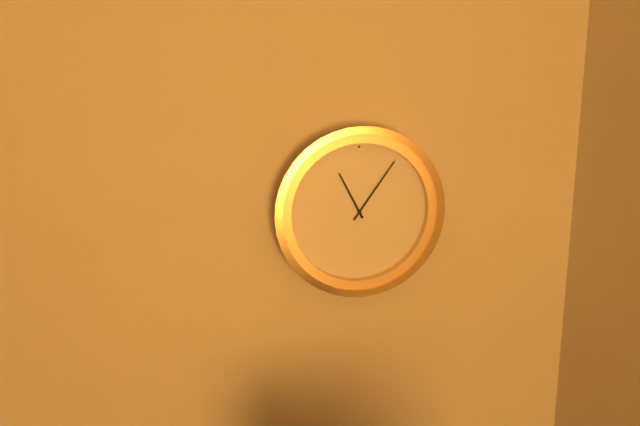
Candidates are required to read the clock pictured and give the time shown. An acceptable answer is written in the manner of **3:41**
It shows **11:06**
